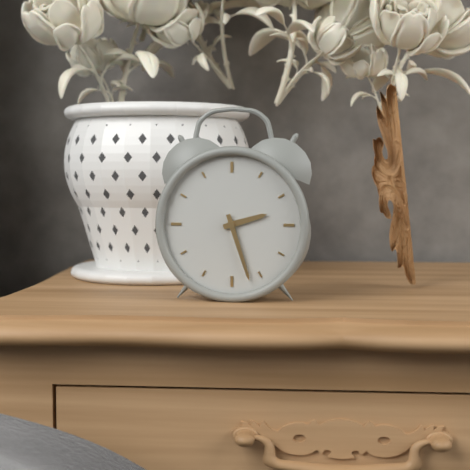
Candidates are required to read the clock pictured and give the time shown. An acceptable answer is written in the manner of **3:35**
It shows **2:27**
